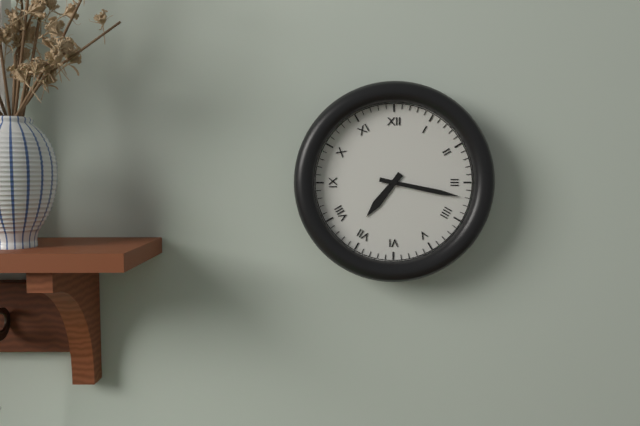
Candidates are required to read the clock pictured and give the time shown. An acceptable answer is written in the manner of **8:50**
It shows **7:17**
